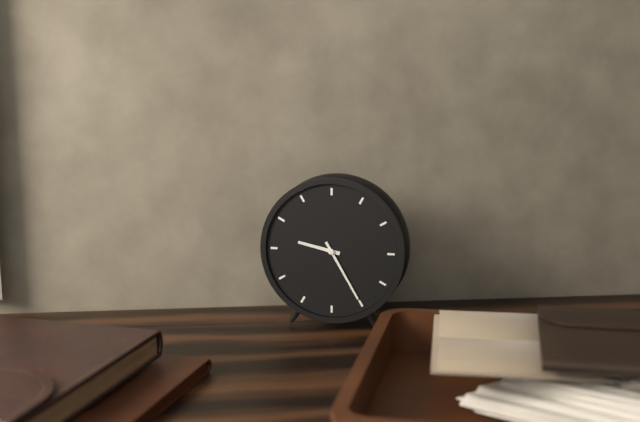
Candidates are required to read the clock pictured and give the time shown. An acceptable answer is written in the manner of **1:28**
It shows **9:25**
